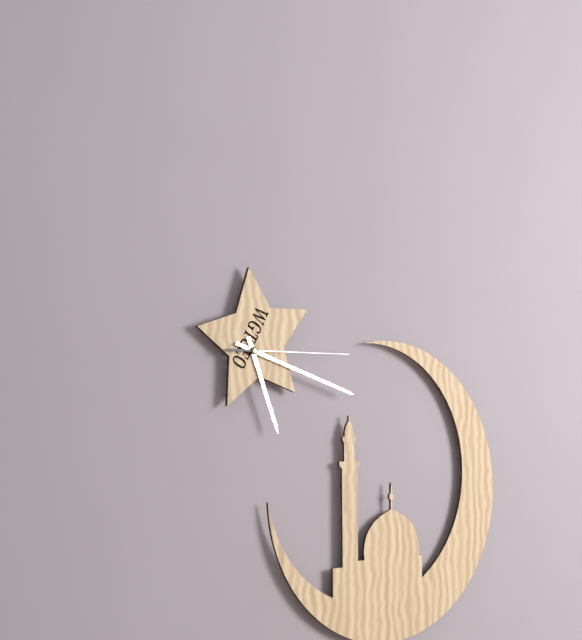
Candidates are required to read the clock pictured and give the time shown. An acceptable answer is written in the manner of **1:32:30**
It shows **5:18:15**
